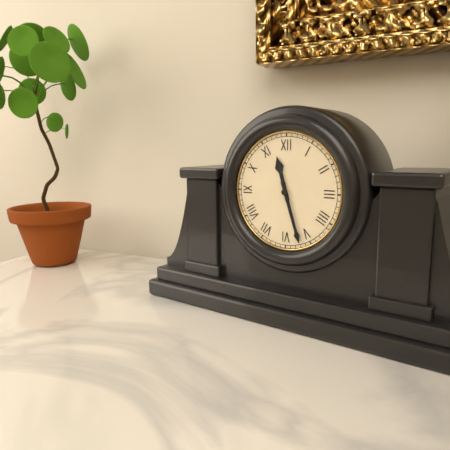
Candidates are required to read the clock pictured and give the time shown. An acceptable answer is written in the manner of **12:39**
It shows **11:27**
